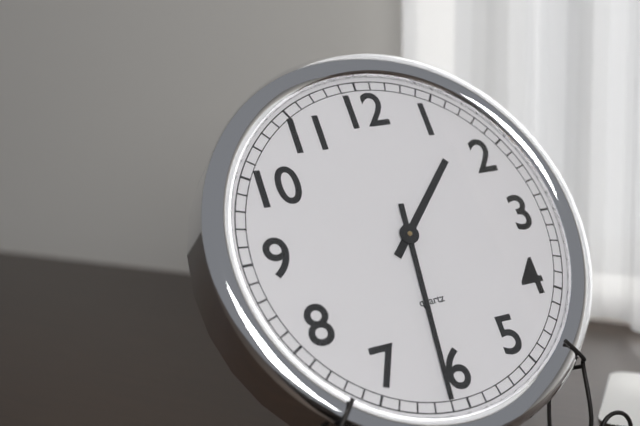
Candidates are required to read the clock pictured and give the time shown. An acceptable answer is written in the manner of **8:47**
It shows **1:31**
